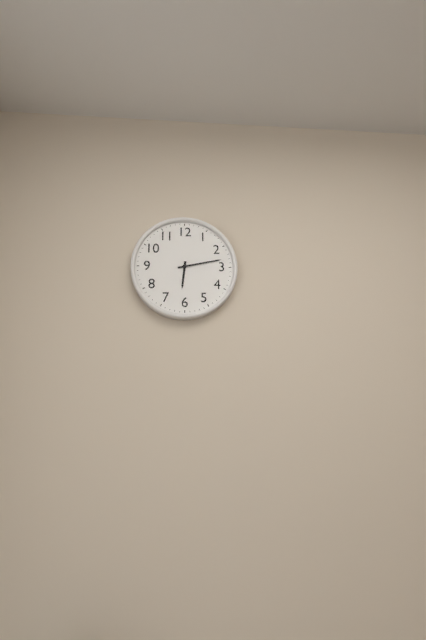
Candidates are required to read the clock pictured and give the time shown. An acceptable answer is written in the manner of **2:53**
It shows **6:13**
